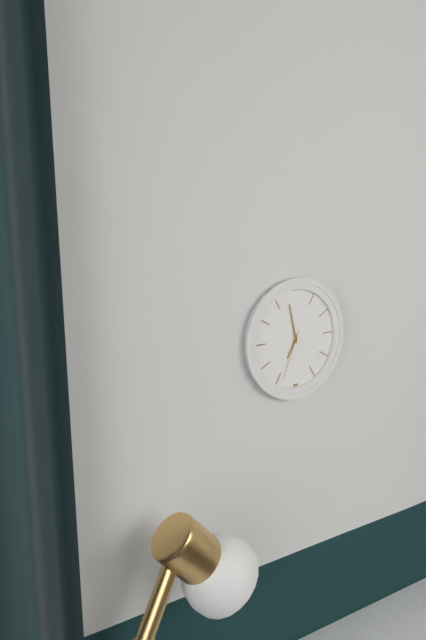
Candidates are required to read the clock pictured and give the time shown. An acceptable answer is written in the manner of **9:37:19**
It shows **6:58:34**
